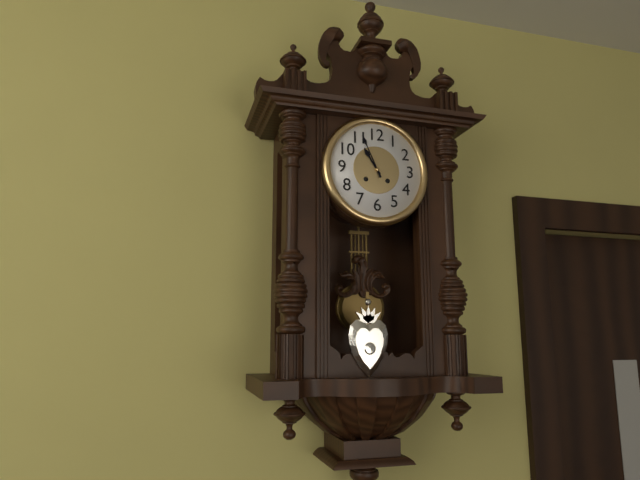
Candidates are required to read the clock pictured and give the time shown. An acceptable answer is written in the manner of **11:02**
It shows **10:56**
